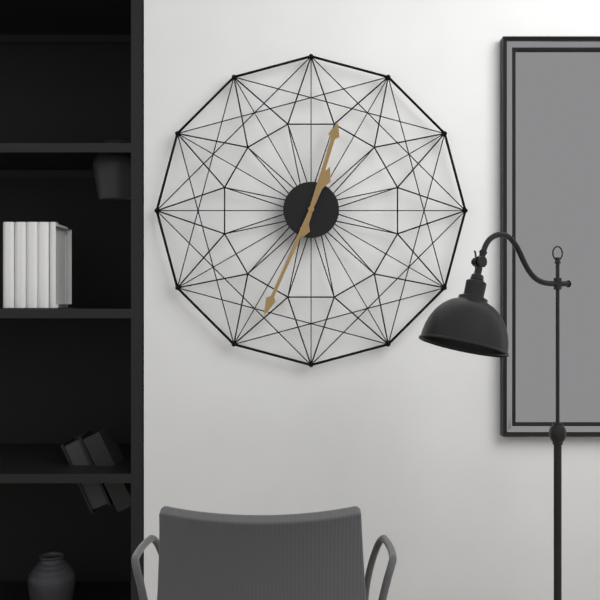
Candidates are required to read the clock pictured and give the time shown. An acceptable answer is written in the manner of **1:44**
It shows **12:34**
